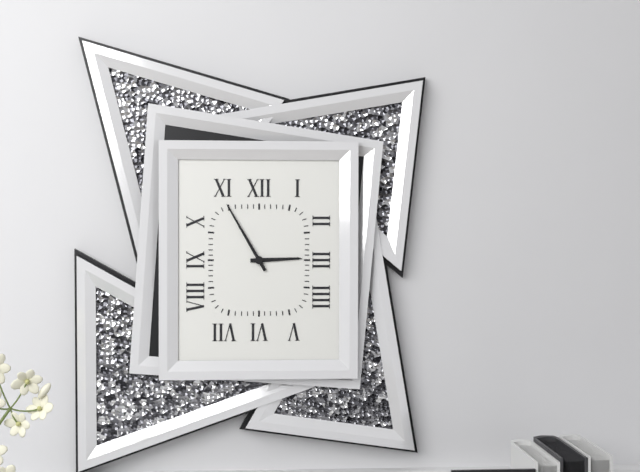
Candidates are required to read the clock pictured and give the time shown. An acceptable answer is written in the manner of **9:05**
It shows **2:55**
